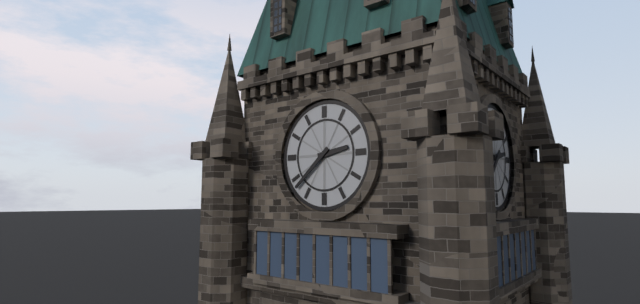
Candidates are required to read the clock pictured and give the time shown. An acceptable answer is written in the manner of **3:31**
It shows **2:38**
